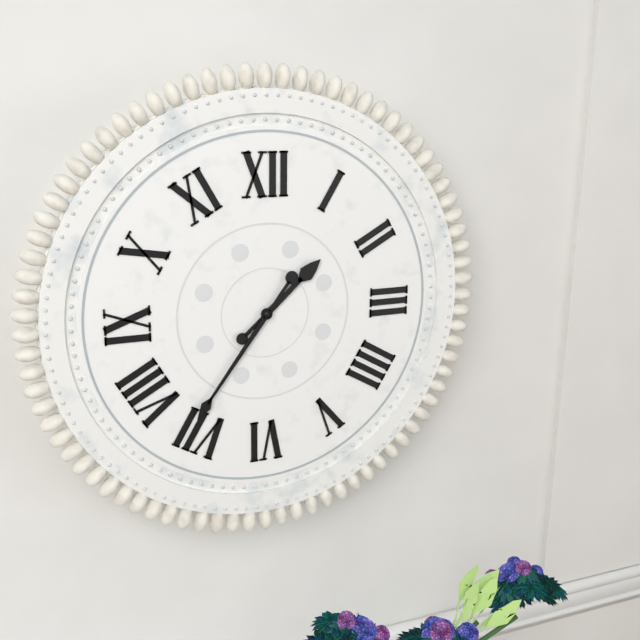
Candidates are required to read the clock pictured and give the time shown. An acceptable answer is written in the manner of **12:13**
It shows **1:36**
